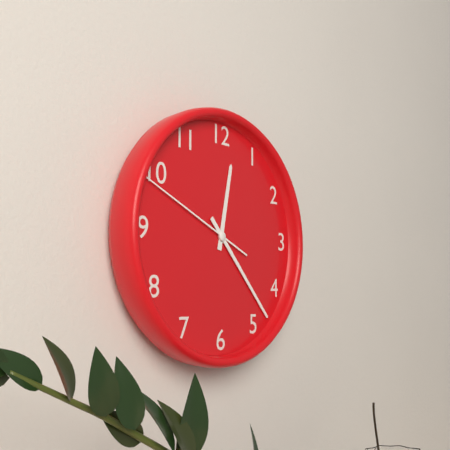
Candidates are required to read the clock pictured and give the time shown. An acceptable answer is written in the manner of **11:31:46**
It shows **12:23:49**
